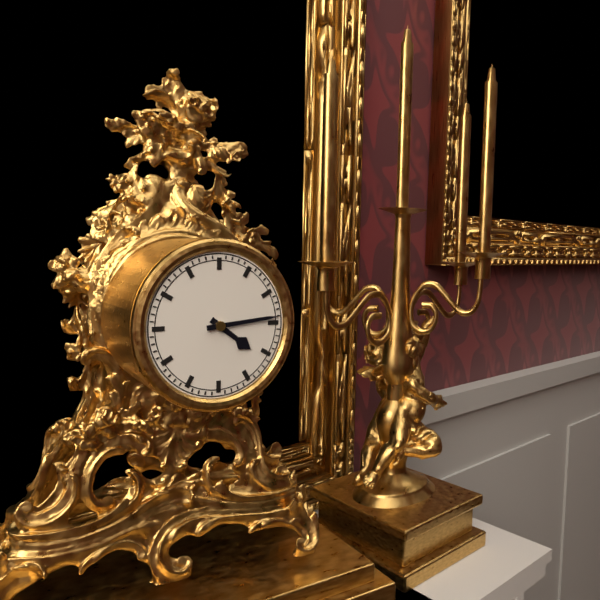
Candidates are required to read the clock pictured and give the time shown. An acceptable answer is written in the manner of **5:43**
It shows **4:14**
